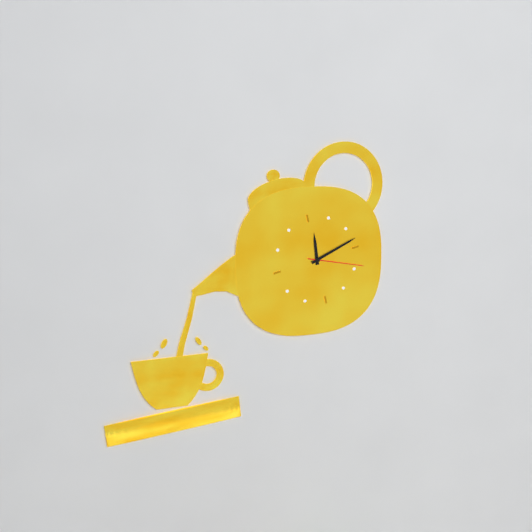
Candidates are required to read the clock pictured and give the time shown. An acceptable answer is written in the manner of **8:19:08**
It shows **12:13:19**
